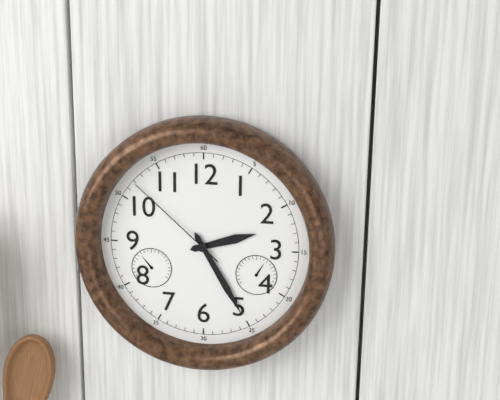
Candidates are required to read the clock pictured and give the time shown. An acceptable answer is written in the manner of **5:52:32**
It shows **2:25:52**
